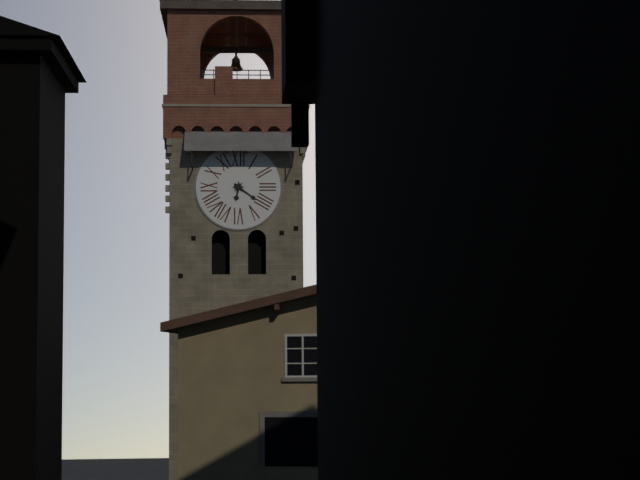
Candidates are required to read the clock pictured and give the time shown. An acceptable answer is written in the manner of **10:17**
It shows **6:21**
